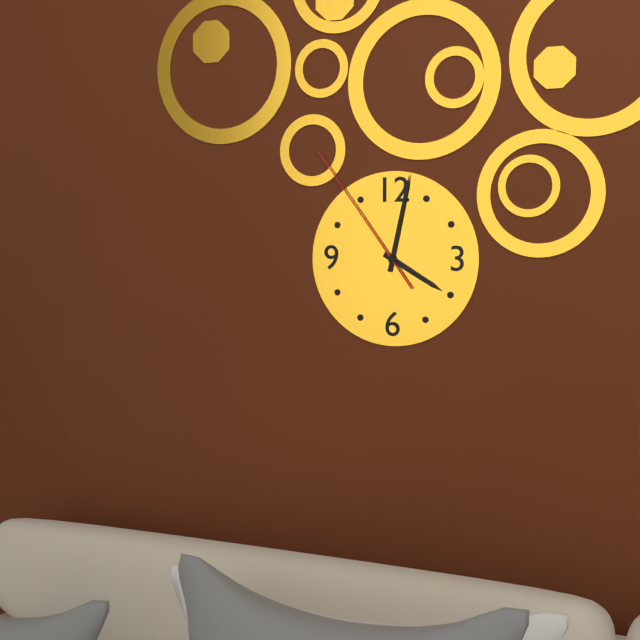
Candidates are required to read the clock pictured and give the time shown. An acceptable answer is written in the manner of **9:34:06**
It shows **4:02:54**
